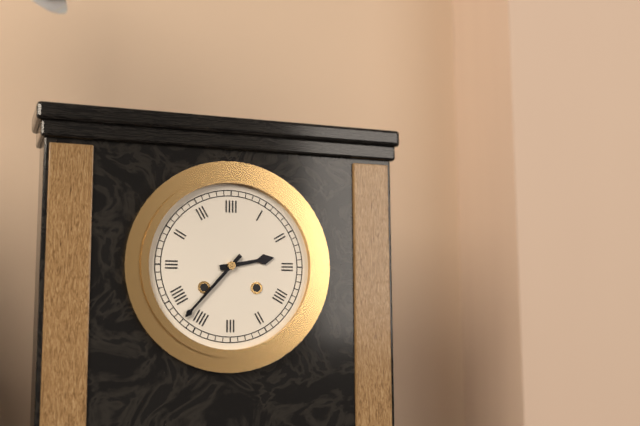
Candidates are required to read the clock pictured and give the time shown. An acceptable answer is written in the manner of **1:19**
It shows **2:37**
